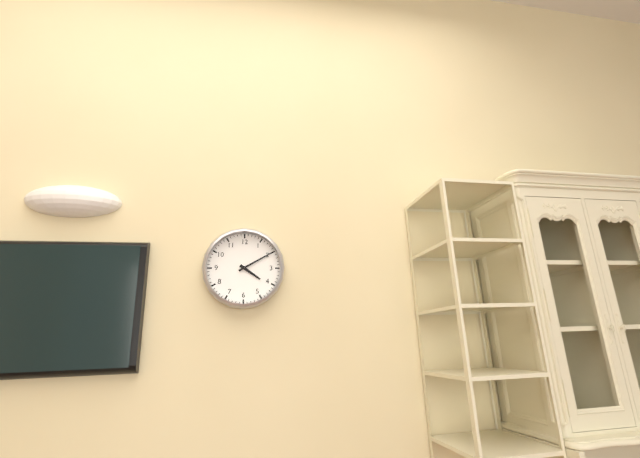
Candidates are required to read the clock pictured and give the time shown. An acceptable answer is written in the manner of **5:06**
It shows **4:10**
